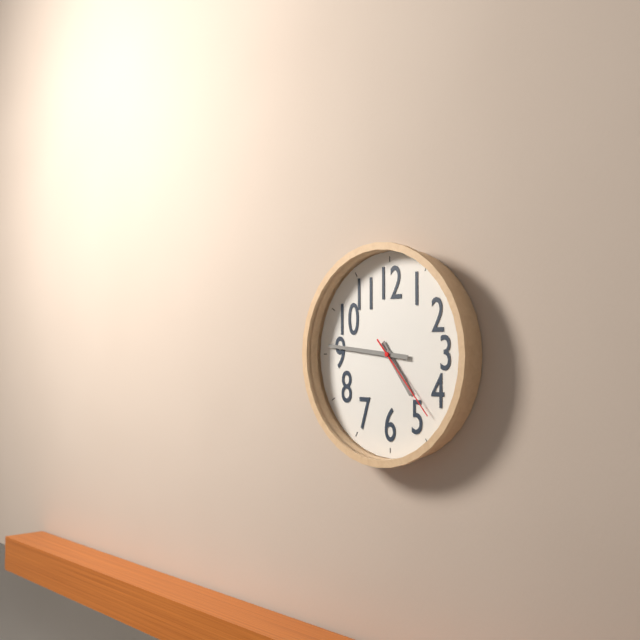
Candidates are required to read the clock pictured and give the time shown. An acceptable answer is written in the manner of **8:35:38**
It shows **4:46:23**
